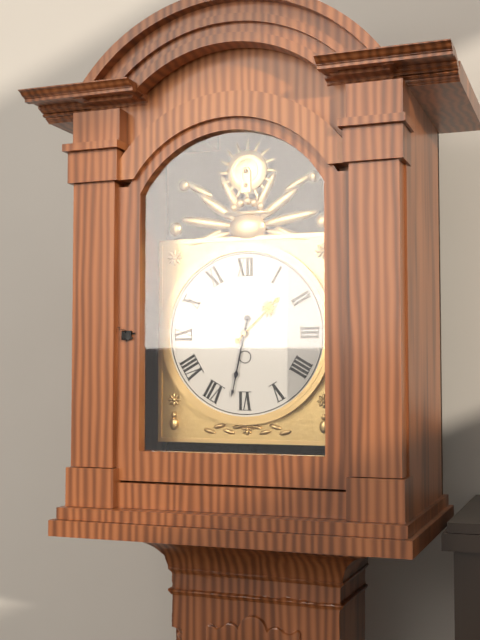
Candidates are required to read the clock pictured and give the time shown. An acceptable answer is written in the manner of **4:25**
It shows **1:32**
